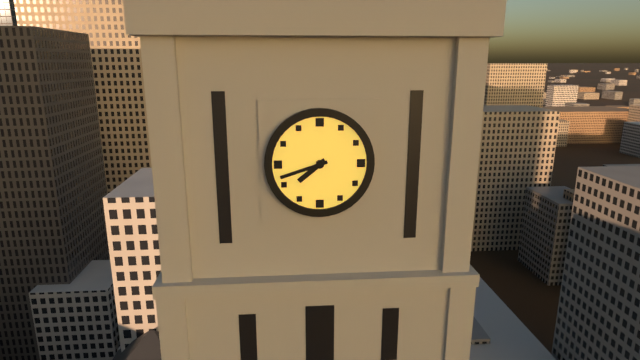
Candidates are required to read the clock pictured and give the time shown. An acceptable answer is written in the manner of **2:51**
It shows **7:42**
